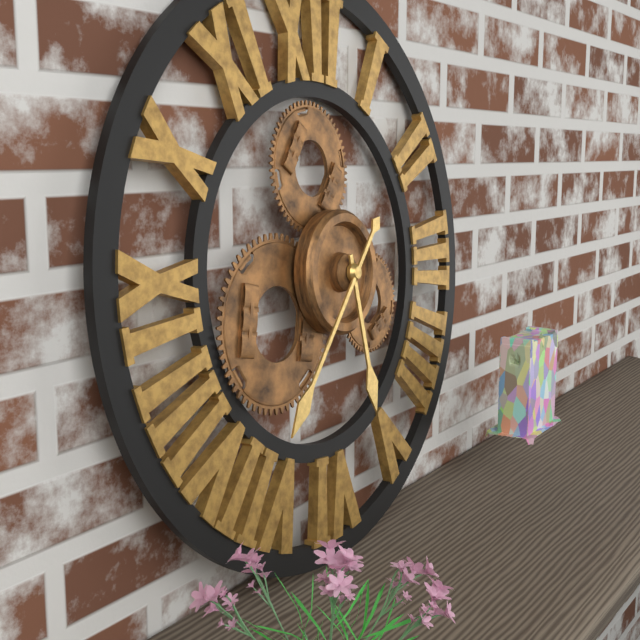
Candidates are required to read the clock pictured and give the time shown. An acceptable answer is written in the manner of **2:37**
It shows **5:37**
